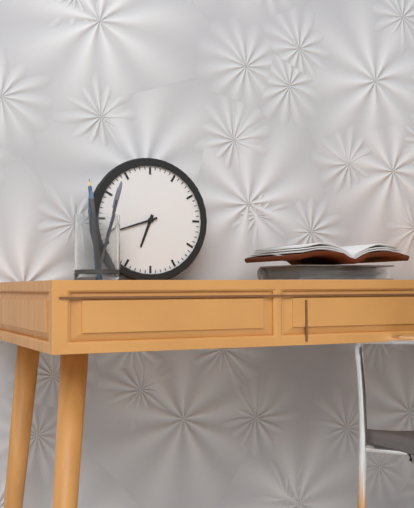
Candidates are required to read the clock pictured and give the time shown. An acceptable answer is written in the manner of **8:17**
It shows **6:42**
